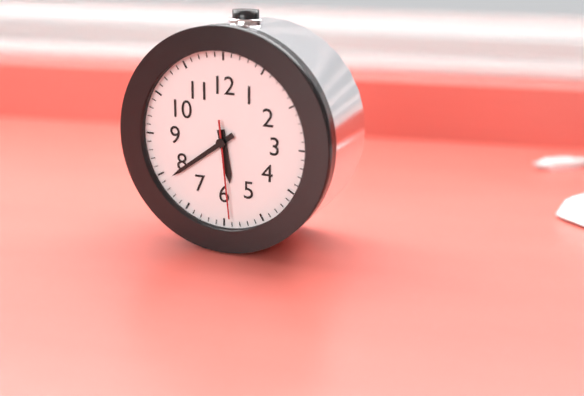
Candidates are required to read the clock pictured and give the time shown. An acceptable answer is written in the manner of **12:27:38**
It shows **5:39:29**
